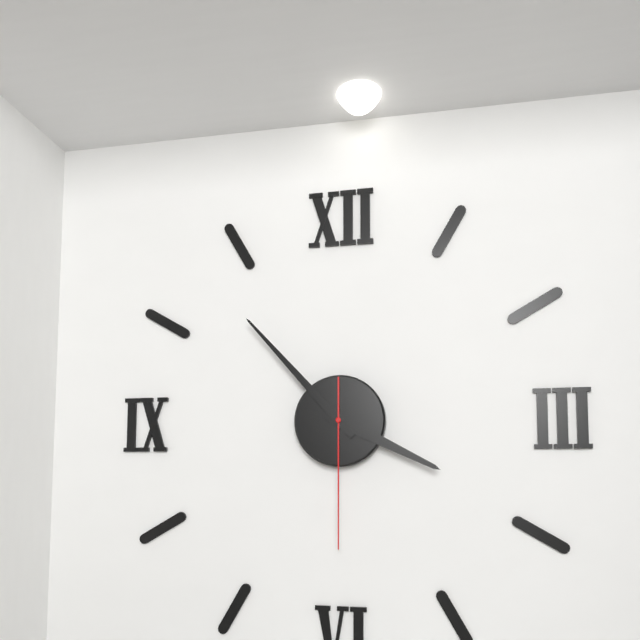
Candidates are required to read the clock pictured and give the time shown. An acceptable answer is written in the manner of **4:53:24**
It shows **3:53:30**
